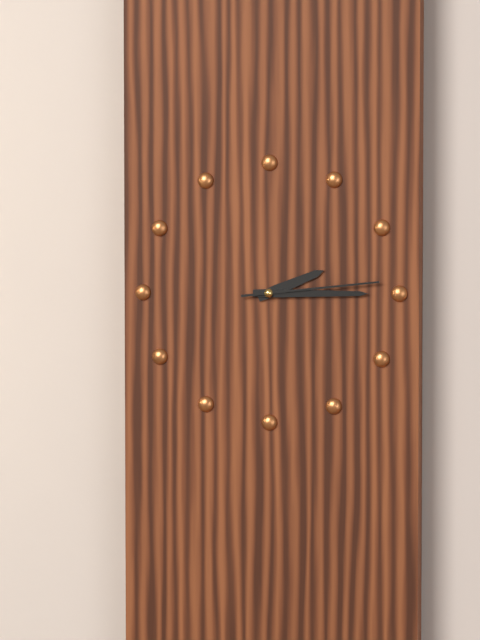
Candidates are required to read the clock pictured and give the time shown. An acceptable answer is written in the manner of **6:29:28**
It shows **2:15:14**
